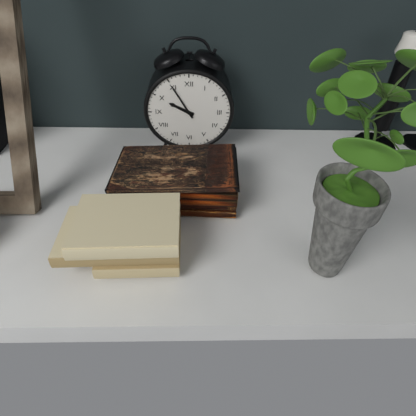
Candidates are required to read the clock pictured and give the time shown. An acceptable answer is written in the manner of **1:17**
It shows **9:55**
